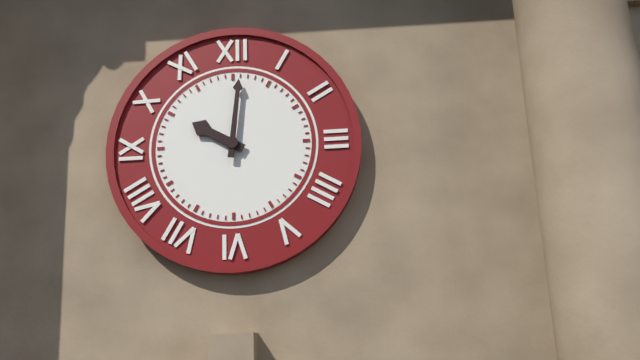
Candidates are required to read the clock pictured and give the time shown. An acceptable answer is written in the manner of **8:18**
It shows **10:01**
